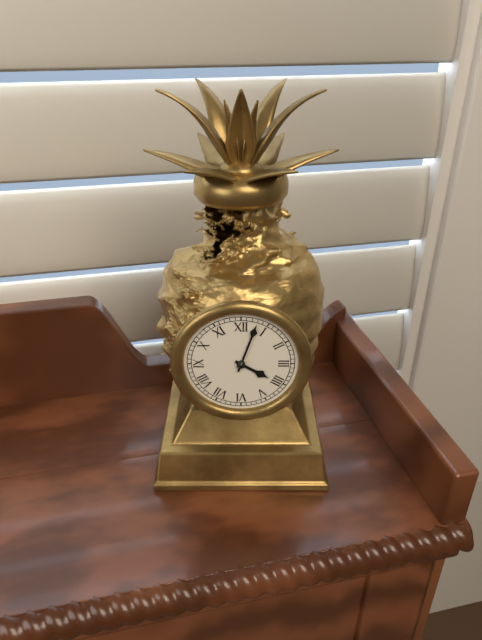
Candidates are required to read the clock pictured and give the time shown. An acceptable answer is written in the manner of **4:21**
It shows **4:03**
